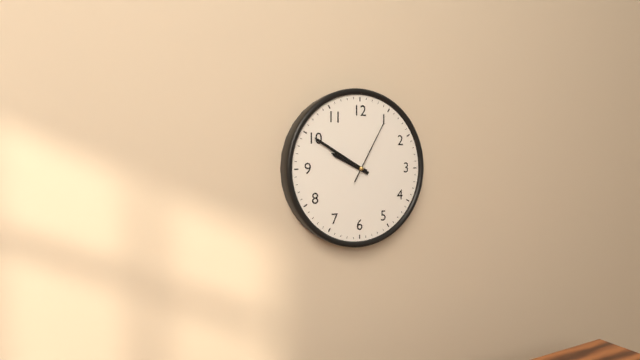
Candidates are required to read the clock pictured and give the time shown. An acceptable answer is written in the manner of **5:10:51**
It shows **9:50:05**
